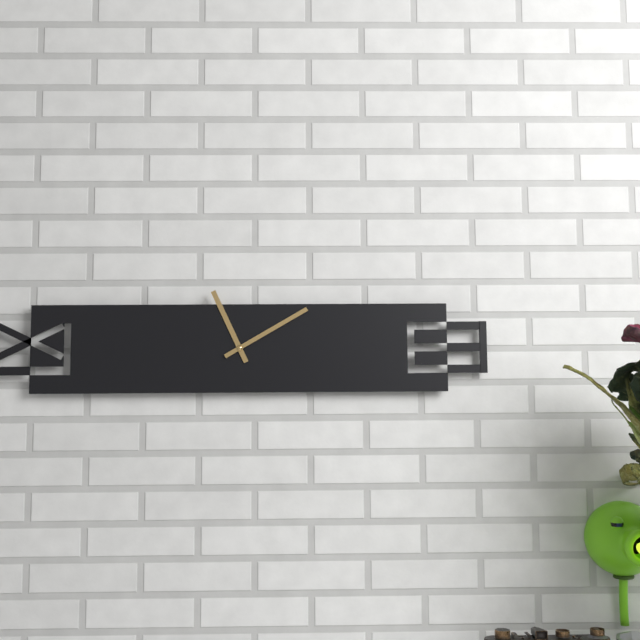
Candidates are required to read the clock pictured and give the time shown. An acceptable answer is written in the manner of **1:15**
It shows **11:10**
